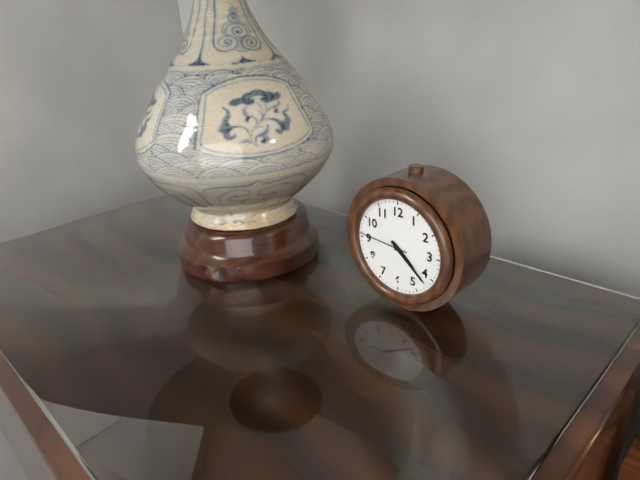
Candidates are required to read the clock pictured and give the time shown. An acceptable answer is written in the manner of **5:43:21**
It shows **4:22:46**
